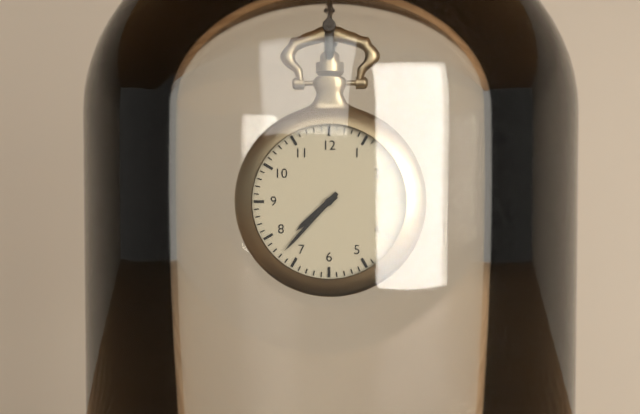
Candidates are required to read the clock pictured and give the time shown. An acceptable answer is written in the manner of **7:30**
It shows **7:37**
